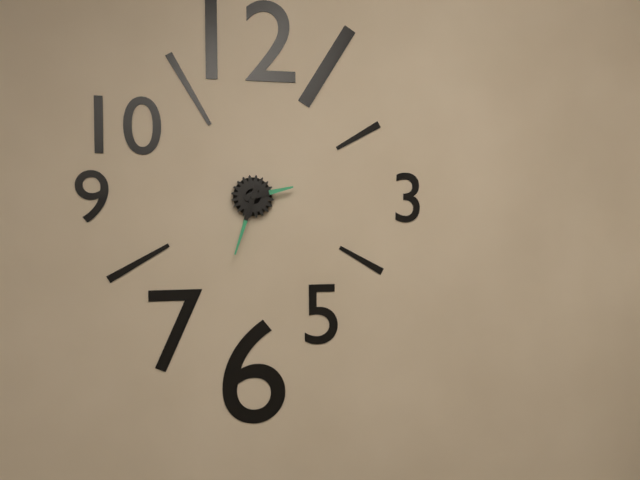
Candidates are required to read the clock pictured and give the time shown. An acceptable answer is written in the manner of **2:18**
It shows **2:33**
